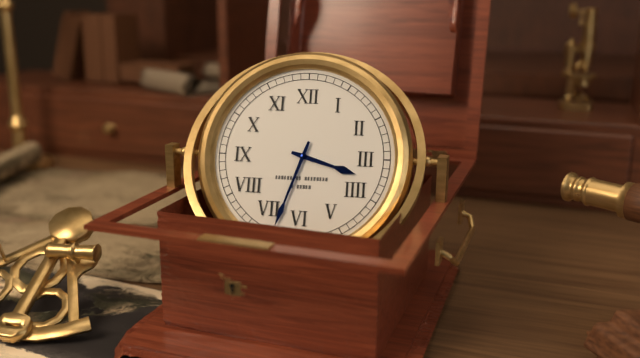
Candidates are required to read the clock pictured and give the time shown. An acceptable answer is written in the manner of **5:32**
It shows **3:33**
